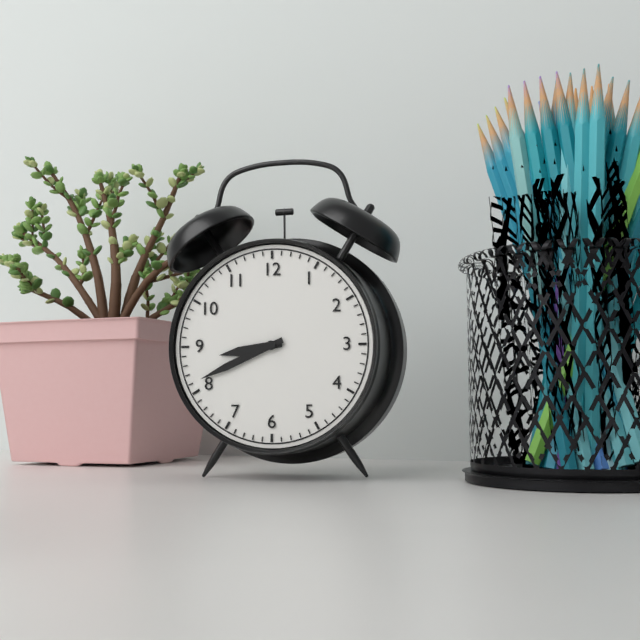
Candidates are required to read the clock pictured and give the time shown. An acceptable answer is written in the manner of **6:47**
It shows **8:41**
